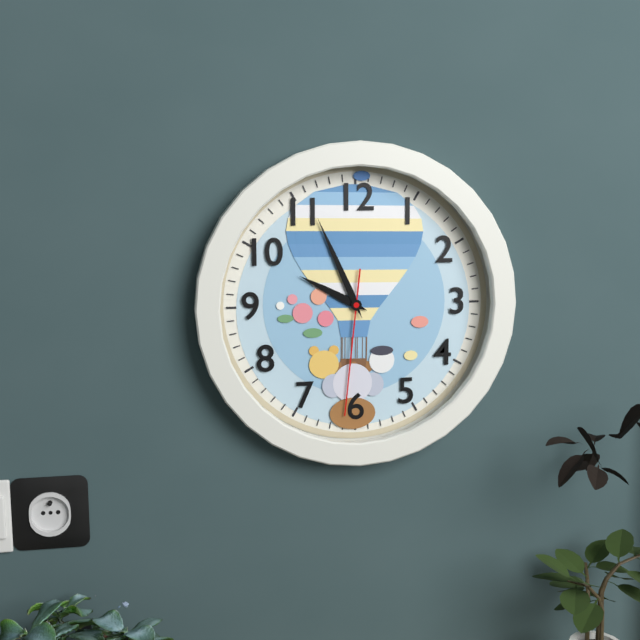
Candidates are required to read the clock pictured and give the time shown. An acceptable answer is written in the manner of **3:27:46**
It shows **9:56:31**
